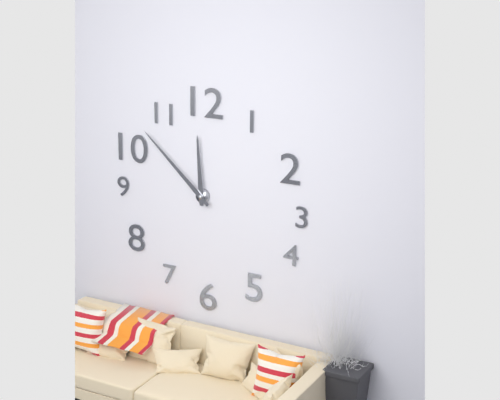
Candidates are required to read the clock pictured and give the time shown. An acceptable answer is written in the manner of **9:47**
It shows **11:52**
